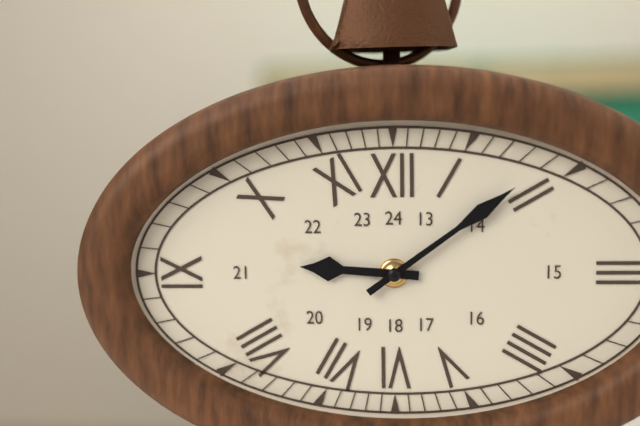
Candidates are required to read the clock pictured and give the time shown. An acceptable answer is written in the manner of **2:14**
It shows **9:09**
